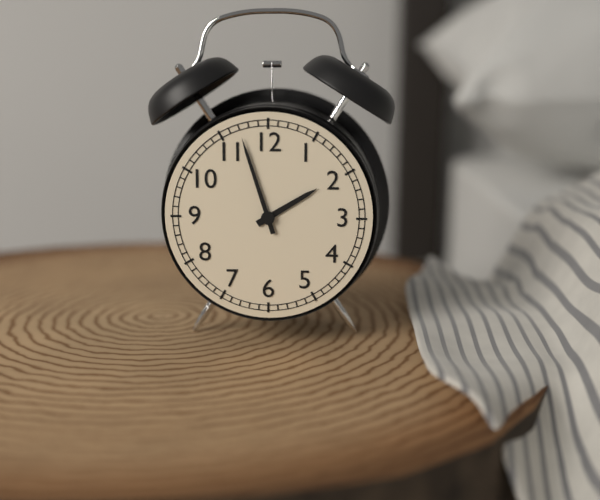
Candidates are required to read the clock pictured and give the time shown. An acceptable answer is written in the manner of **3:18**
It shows **1:57**
